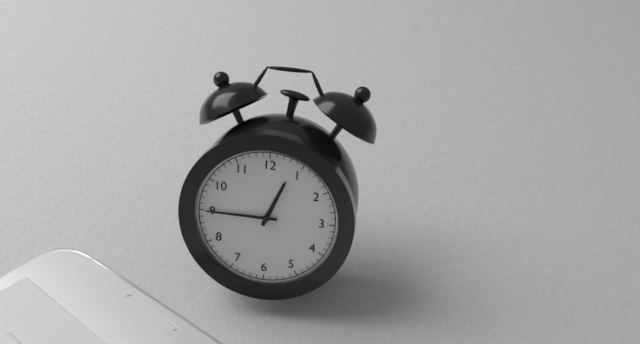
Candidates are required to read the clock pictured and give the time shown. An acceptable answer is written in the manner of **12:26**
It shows **12:45**
